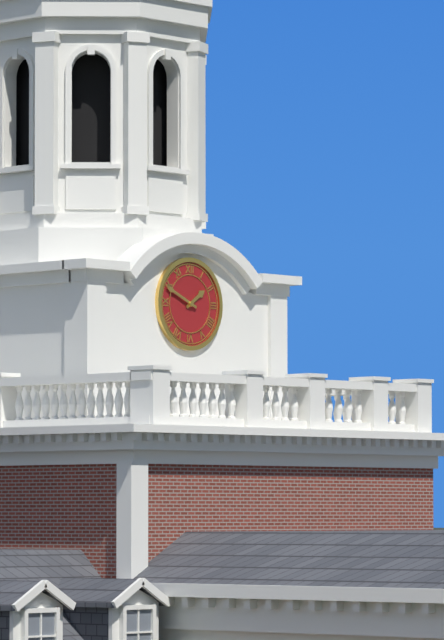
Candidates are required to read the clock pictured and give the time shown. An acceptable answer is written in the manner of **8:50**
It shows **1:49**
